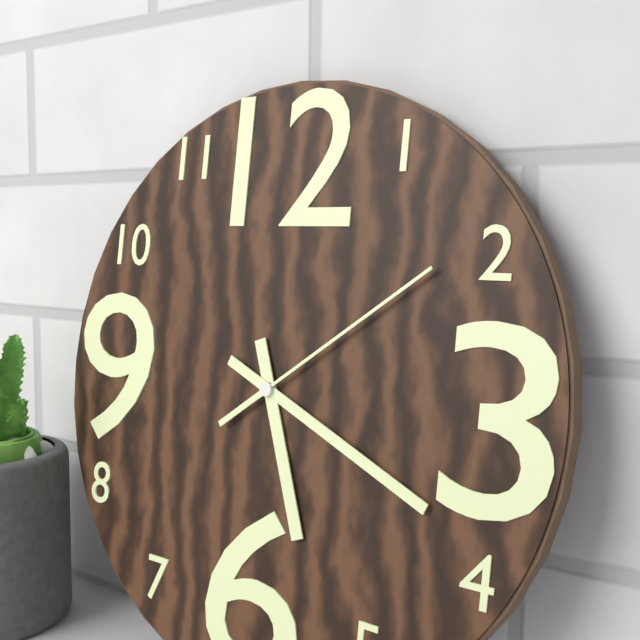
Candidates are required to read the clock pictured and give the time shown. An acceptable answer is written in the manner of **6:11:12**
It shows **5:19:09**
